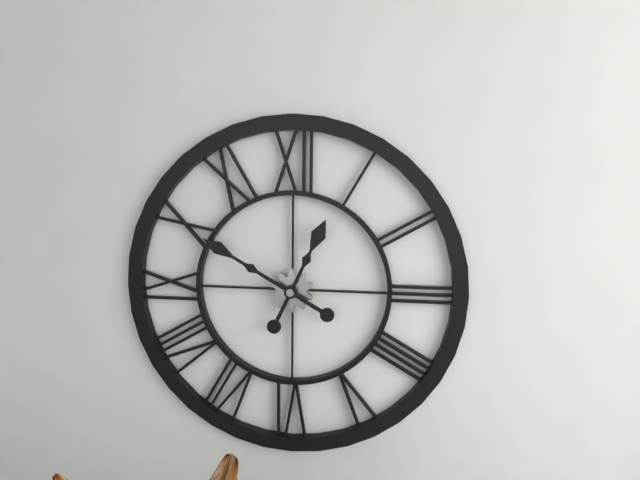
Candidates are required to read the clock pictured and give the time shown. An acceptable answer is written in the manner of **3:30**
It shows **12:50**
